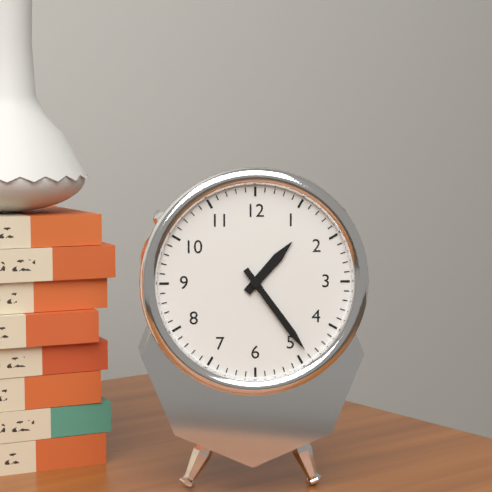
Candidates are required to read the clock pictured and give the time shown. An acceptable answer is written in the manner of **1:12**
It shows **1:24**
